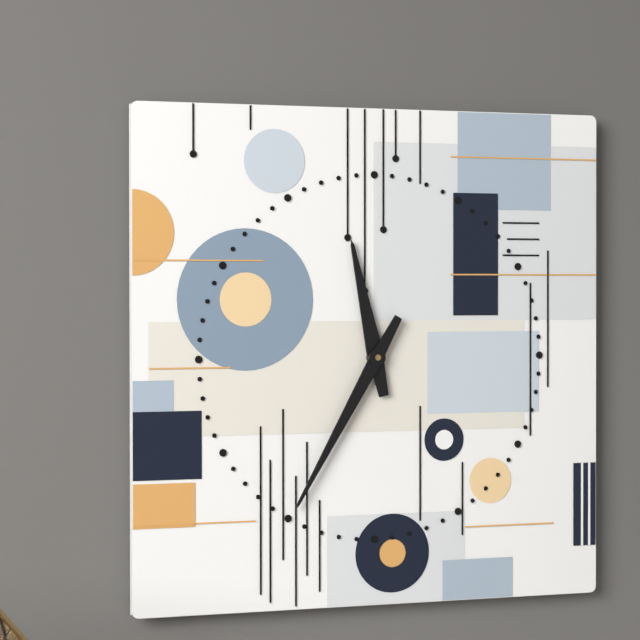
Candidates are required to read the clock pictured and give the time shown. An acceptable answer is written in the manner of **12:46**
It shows **11:35**
